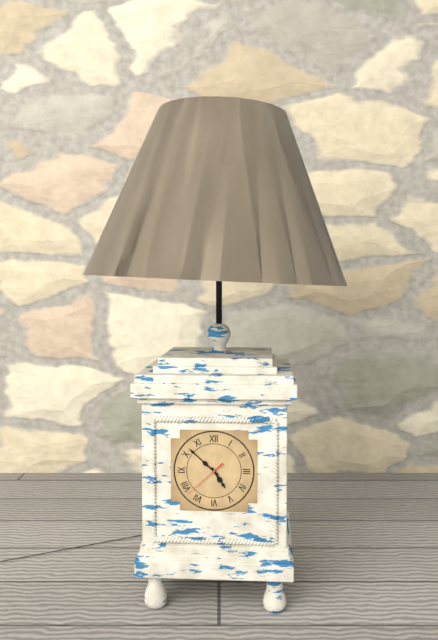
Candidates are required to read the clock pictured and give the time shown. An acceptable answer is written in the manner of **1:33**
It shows **4:52**
